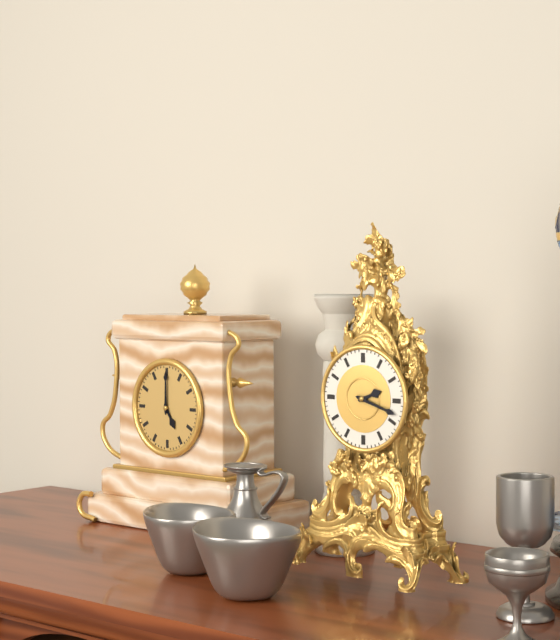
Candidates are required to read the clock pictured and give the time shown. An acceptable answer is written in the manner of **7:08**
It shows **2:18**
